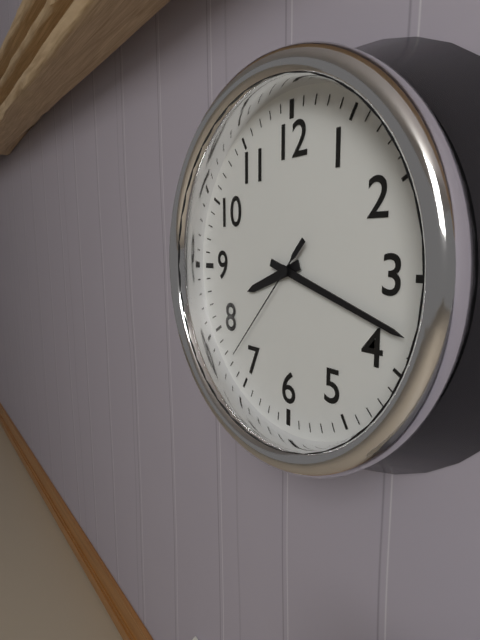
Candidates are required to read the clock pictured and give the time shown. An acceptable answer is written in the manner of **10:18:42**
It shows **8:18:37**
